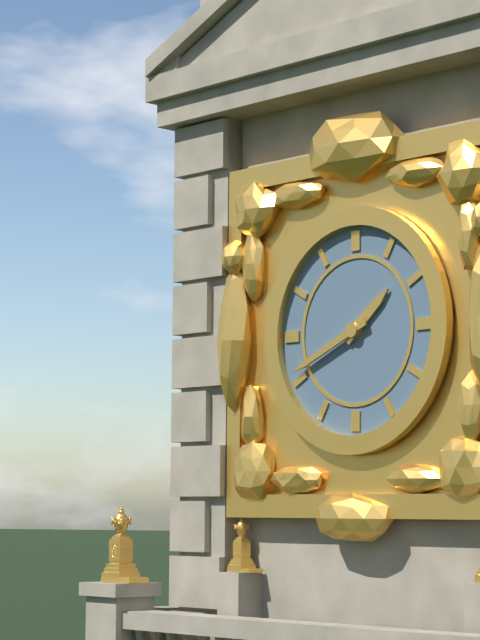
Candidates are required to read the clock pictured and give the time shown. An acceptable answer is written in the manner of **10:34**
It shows **1:41**
